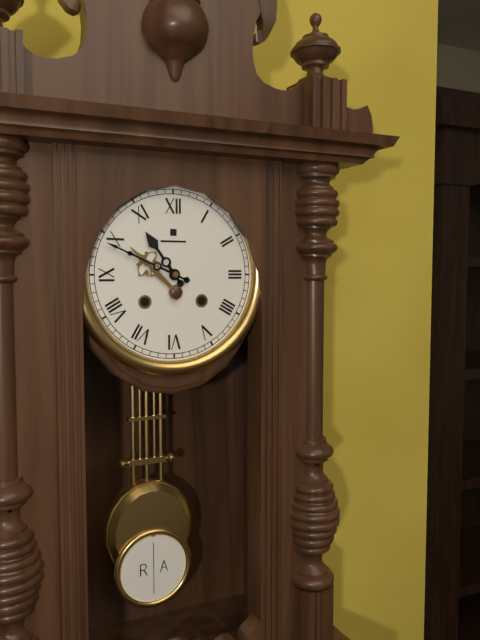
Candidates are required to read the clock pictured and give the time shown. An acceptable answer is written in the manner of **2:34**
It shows **10:49**
